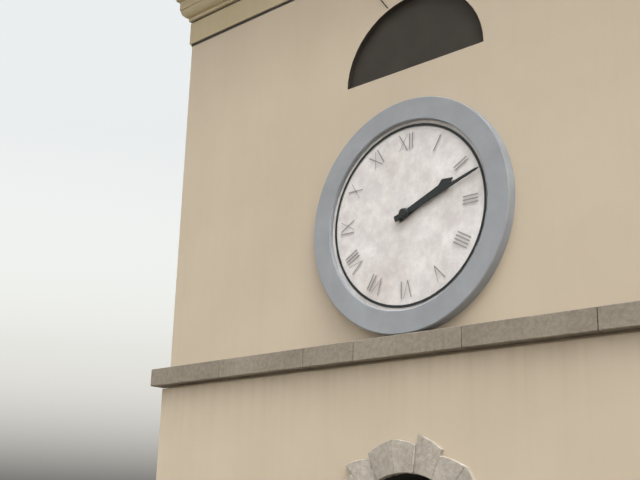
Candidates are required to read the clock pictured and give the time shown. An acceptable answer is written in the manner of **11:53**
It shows **2:12**
